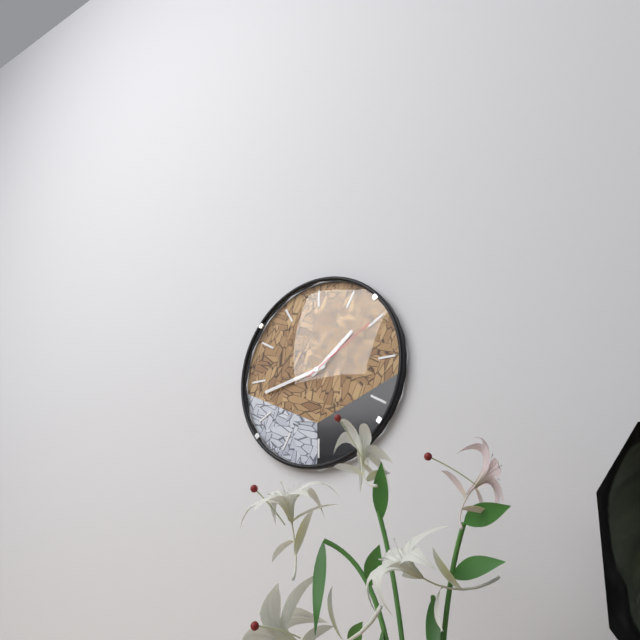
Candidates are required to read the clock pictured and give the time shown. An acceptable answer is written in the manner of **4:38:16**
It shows **1:43:10**
